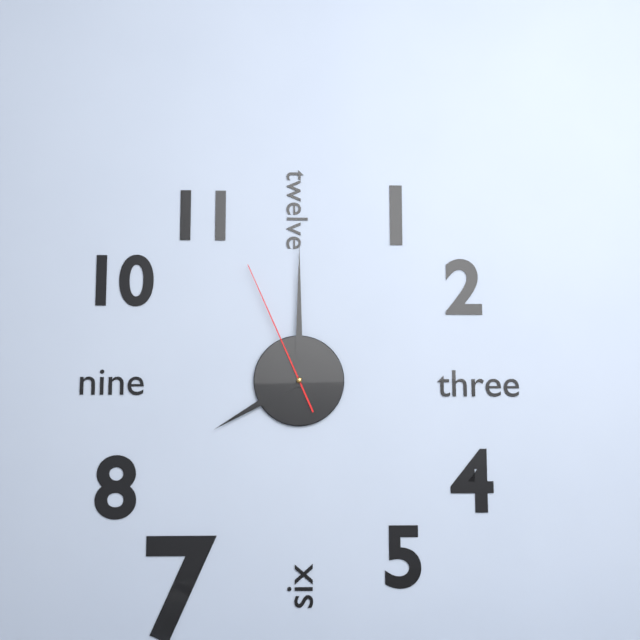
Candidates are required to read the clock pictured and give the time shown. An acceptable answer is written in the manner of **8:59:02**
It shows **8:00:56**
